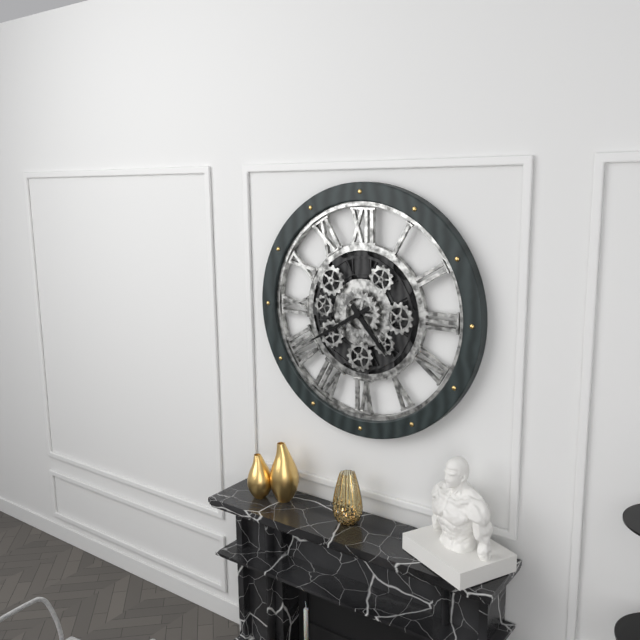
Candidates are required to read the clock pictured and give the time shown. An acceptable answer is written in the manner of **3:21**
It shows **4:40**
